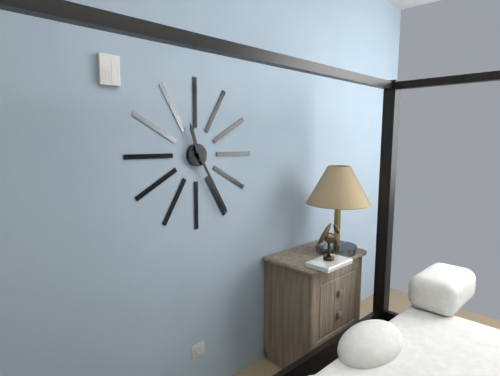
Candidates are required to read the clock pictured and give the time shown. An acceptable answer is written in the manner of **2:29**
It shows **11:25**
